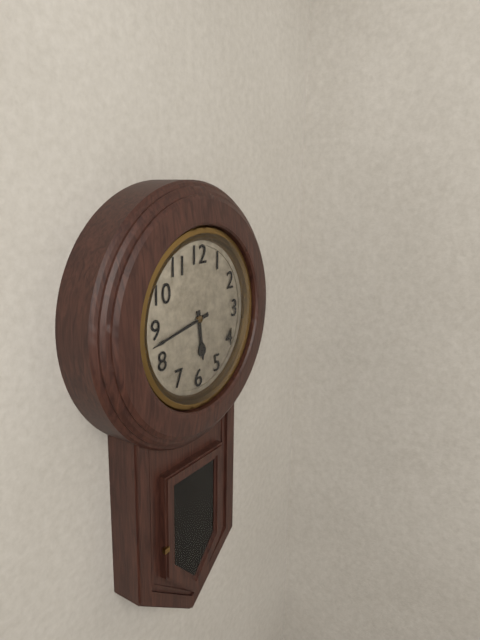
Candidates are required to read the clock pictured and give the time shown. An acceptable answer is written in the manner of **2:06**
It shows **5:43**
